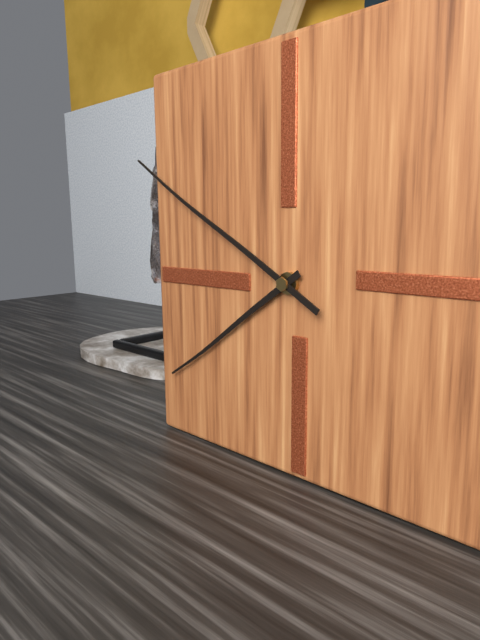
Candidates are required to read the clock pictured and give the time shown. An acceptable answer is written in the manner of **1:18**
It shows **7:50**
